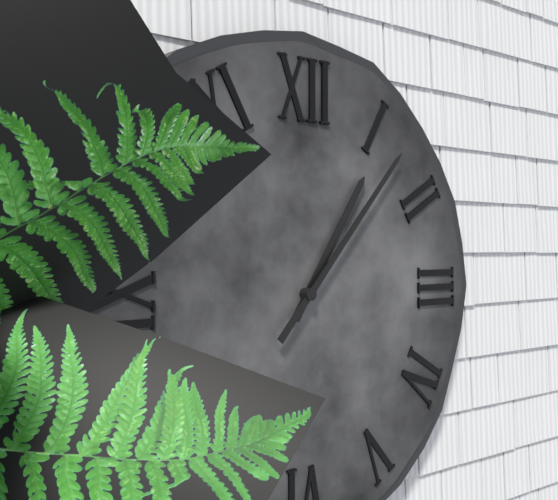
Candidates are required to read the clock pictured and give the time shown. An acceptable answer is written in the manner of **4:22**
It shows **1:07**
